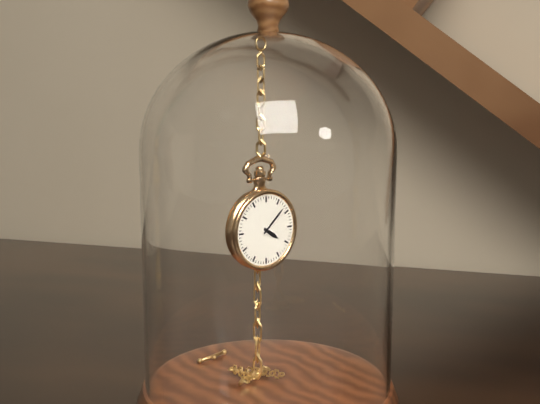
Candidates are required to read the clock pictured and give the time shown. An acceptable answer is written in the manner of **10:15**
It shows **4:08**
